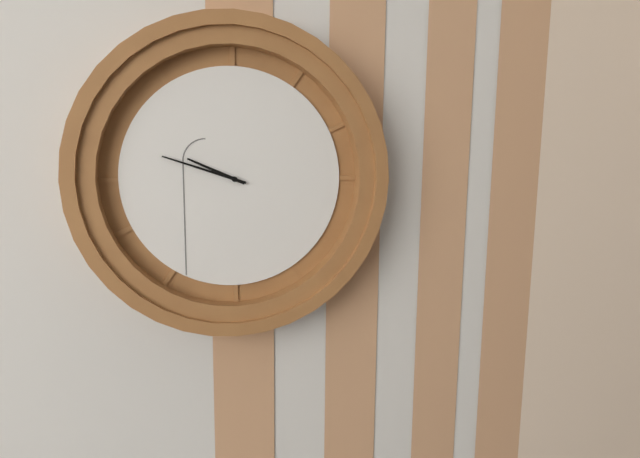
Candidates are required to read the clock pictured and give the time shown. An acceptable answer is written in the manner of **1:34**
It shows **9:48**
